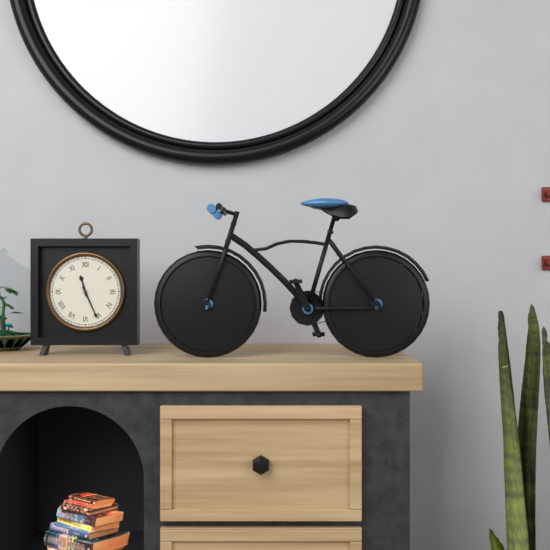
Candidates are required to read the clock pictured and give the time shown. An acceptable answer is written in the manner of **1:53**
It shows **11:26**
